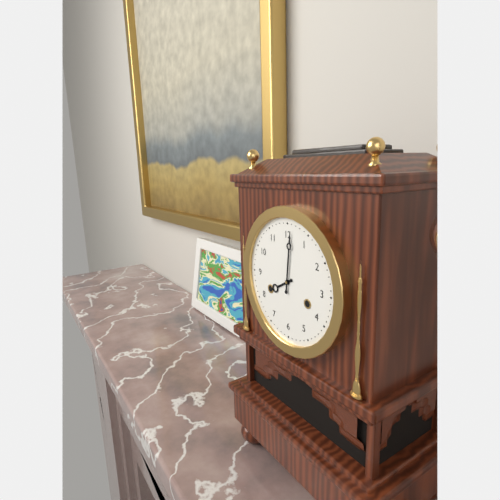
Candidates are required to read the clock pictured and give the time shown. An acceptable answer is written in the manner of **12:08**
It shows **8:01**
